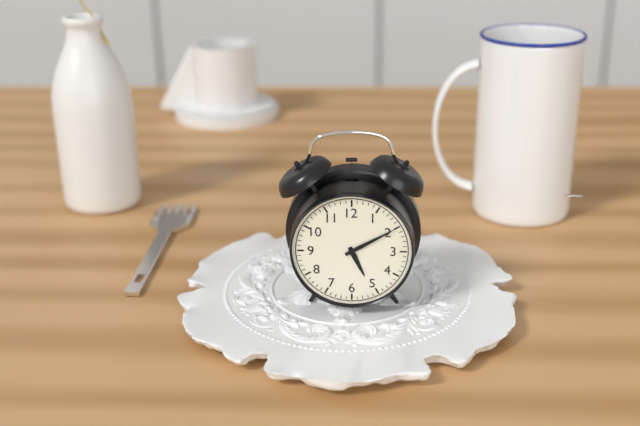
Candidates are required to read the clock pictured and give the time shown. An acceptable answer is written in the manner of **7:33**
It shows **5:10**
